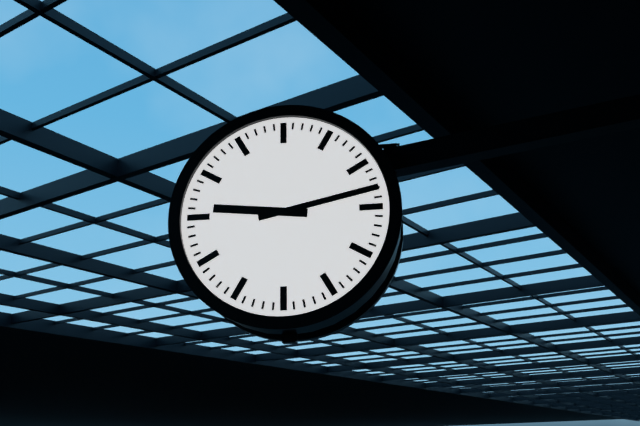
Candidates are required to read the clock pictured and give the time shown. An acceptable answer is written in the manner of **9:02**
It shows **9:13**
